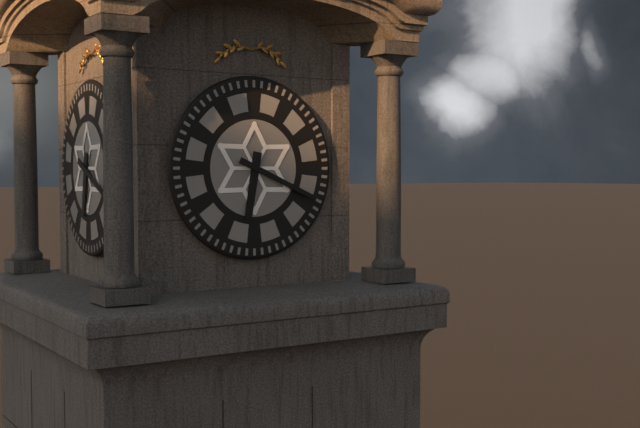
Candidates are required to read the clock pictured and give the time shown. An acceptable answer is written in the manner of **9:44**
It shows **6:19**
